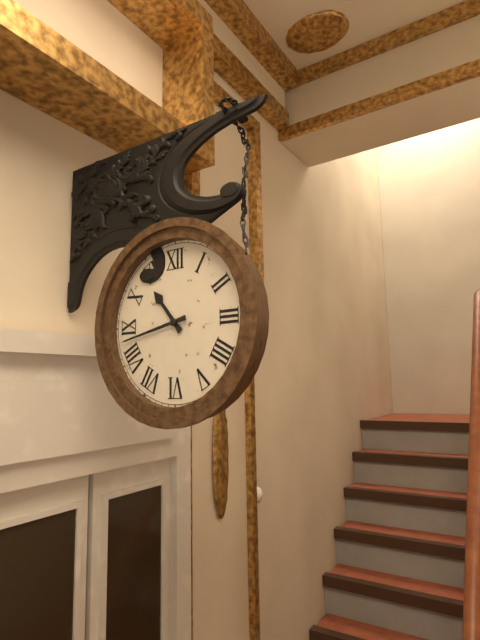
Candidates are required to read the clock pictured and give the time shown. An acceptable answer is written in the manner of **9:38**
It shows **10:43**
